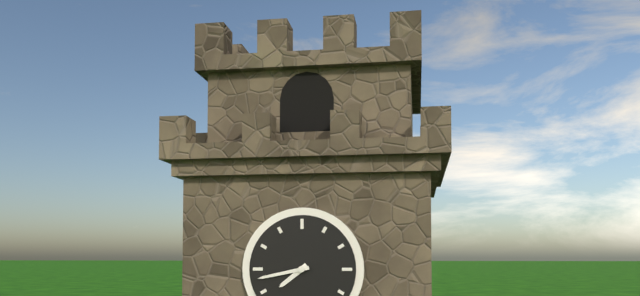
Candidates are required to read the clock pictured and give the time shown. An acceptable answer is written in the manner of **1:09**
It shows **7:43**
